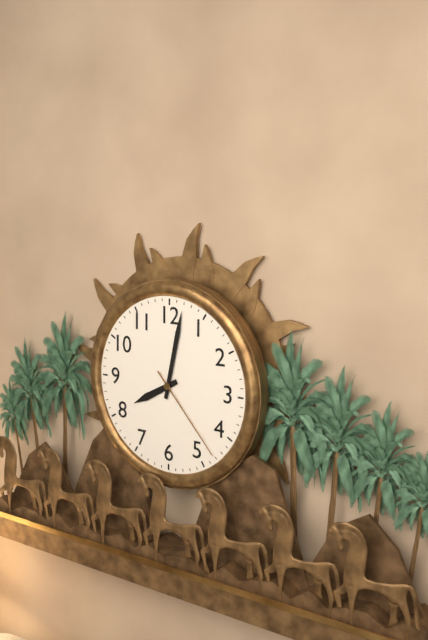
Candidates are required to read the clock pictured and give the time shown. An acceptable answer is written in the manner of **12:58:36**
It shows **8:02:23**
